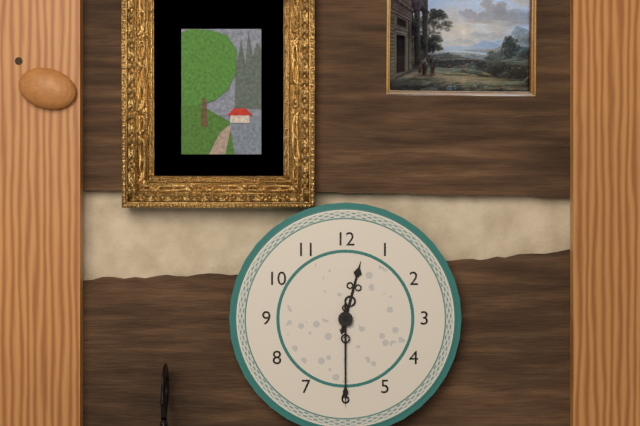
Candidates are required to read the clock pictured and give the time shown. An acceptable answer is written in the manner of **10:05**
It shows **12:30**
